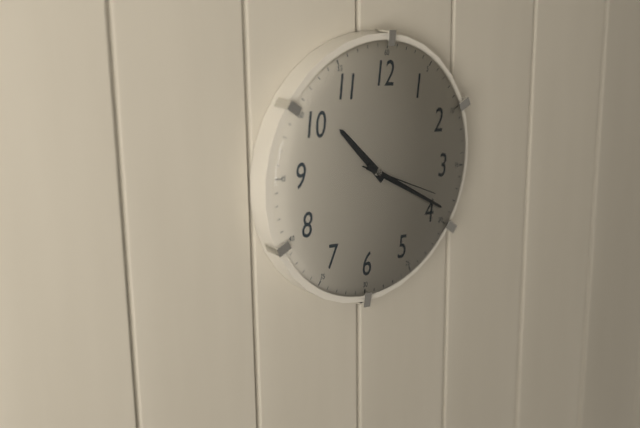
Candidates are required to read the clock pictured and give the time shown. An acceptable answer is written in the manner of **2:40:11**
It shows **10:19:18**
